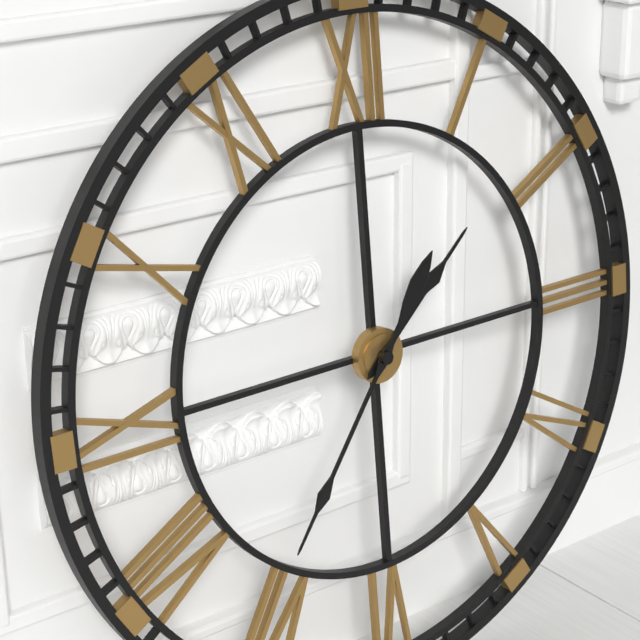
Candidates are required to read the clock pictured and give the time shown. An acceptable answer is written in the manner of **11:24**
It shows **1:36**
